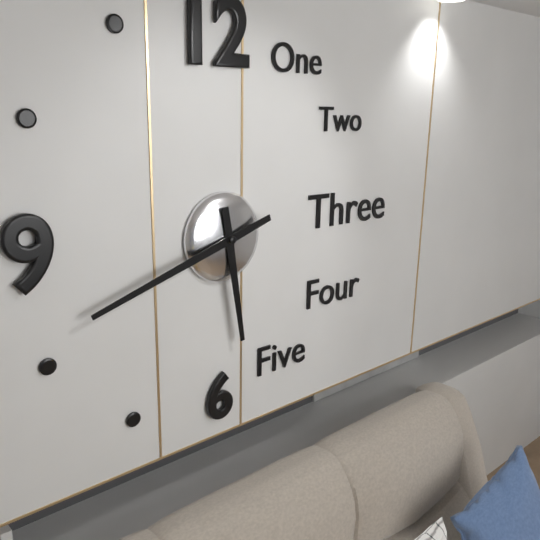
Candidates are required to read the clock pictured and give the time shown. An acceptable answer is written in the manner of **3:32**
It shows **5:42**
